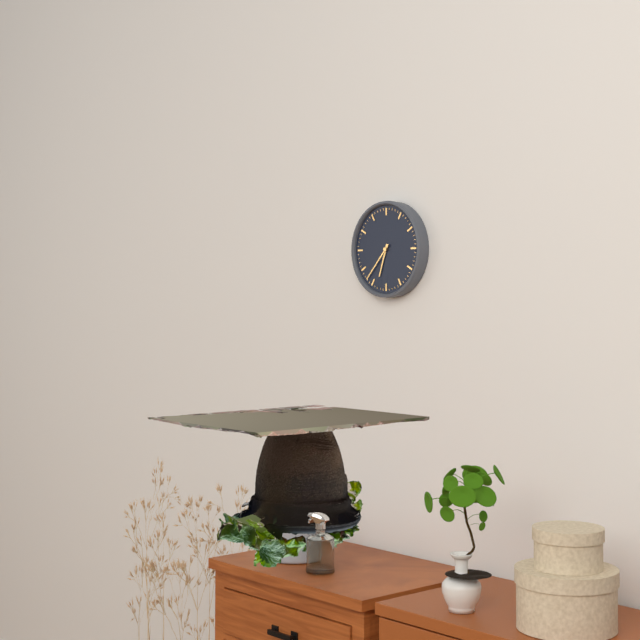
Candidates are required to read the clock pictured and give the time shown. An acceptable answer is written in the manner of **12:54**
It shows **6:37**
